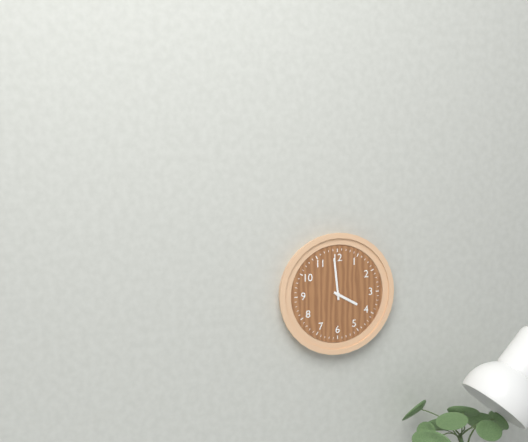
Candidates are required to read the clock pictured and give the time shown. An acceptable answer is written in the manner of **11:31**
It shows **3:59**
